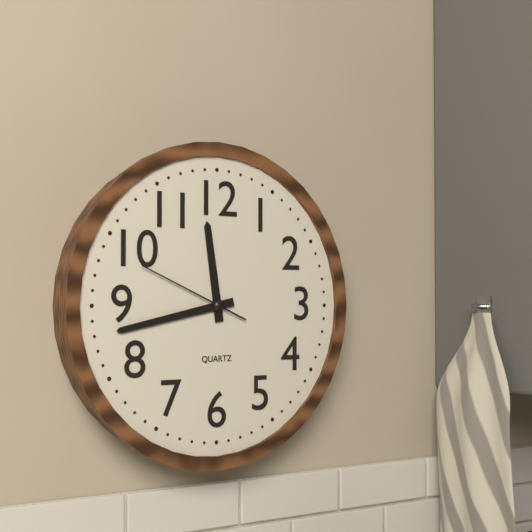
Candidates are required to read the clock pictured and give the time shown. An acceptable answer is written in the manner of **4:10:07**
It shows **11:43:49**
